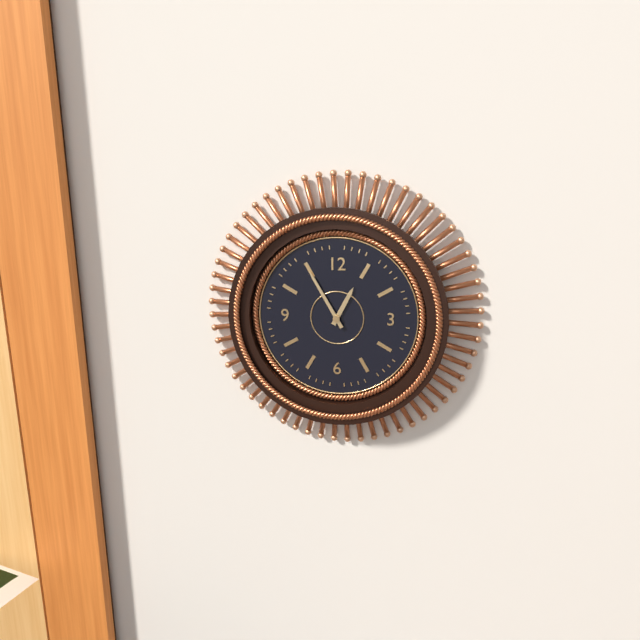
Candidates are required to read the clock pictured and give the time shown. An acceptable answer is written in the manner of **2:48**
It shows **12:55**
